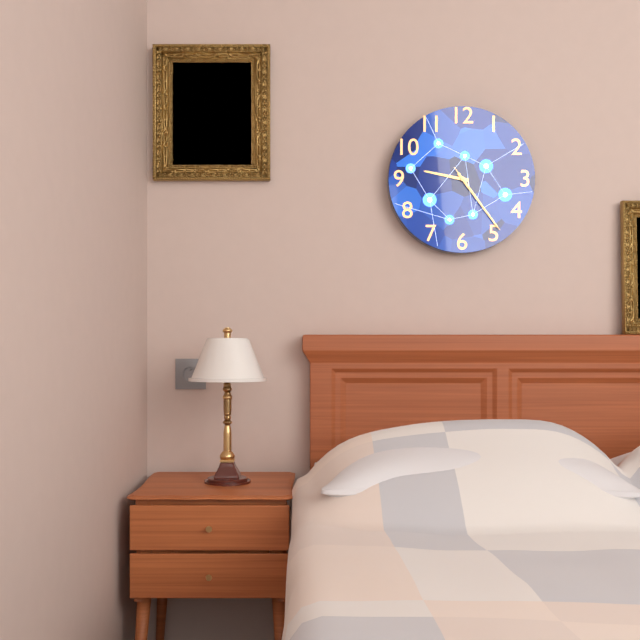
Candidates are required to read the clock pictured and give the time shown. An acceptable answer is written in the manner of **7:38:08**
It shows **9:24:24**
